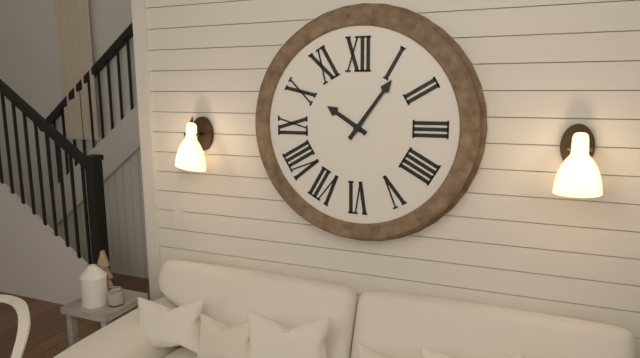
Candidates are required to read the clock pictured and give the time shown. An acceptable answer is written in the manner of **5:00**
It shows **10:06**
